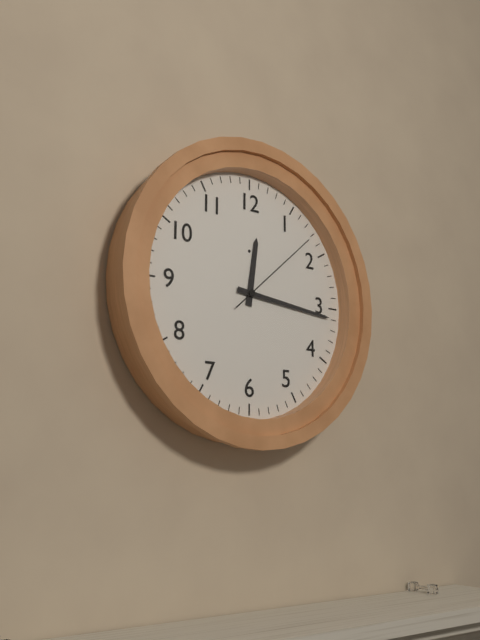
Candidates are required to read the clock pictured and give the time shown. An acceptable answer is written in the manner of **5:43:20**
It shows **12:16:08**
